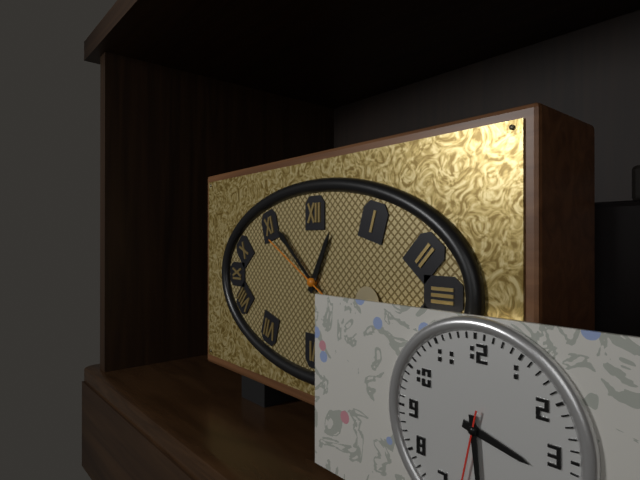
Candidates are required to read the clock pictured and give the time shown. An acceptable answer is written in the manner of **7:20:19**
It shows **12:52:50**
